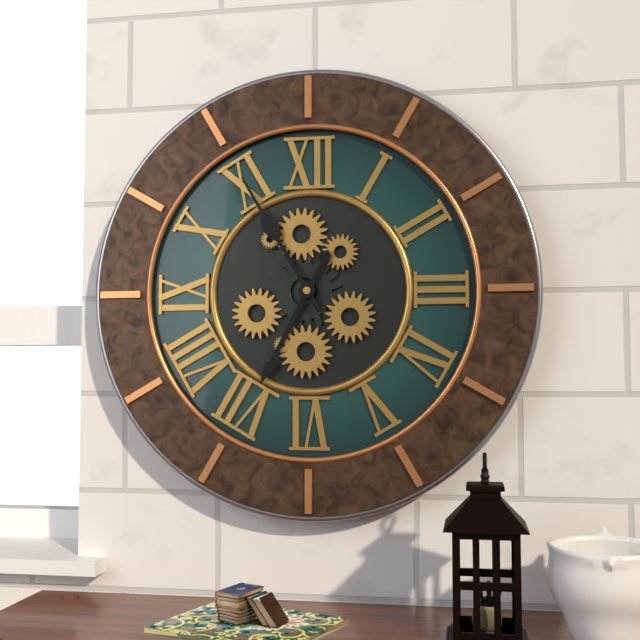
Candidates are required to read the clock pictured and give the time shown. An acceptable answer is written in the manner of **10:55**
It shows **6:55**
